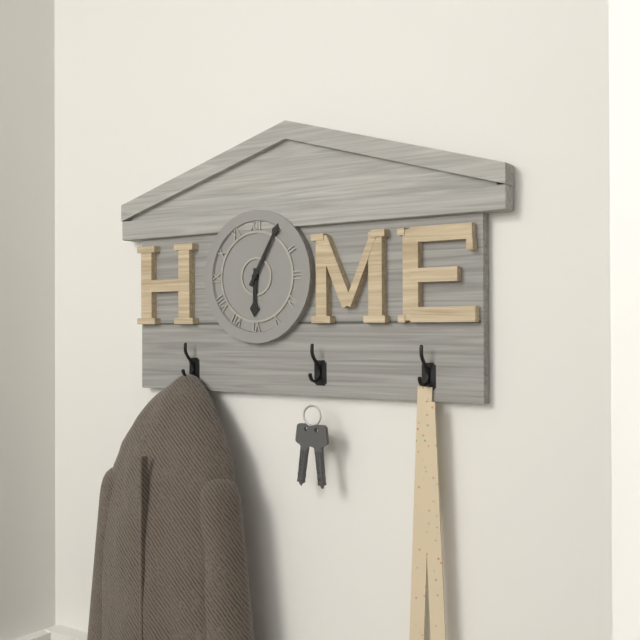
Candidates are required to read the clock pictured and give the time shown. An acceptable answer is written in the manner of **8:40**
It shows **6:05**
